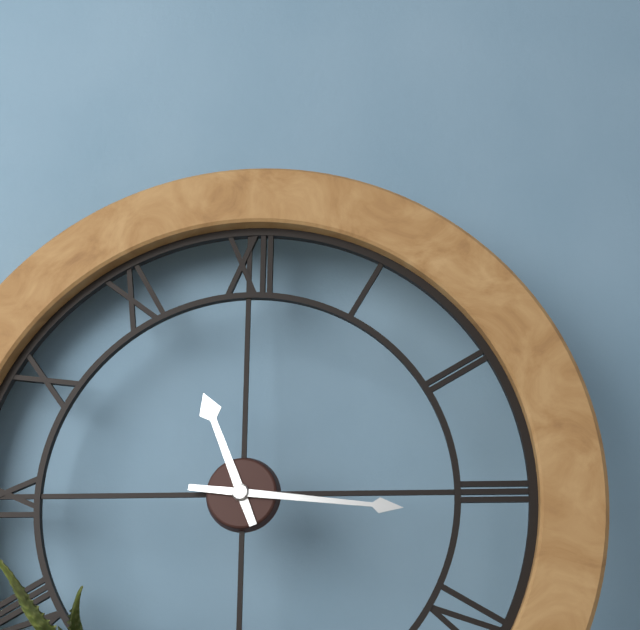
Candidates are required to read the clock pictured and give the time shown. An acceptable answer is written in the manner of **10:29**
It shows **11:16**
